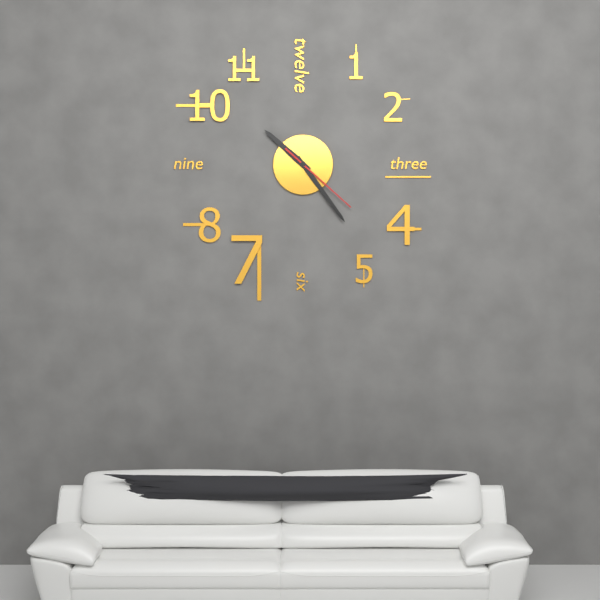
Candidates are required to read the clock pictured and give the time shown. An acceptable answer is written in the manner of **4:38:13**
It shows **10:24:22**
